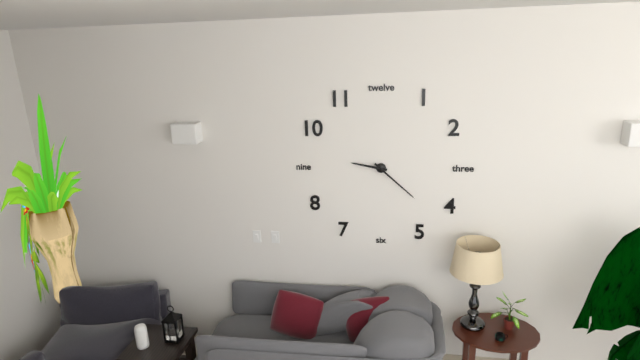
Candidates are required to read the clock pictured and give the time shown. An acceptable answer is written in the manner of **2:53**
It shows **9:22**
